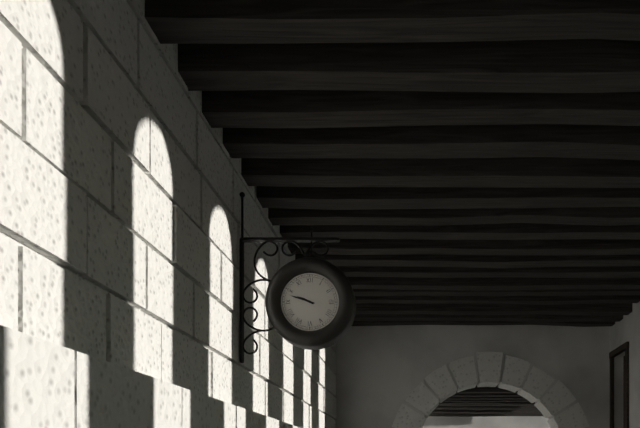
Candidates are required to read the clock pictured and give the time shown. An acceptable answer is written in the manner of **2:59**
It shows **9:48**
